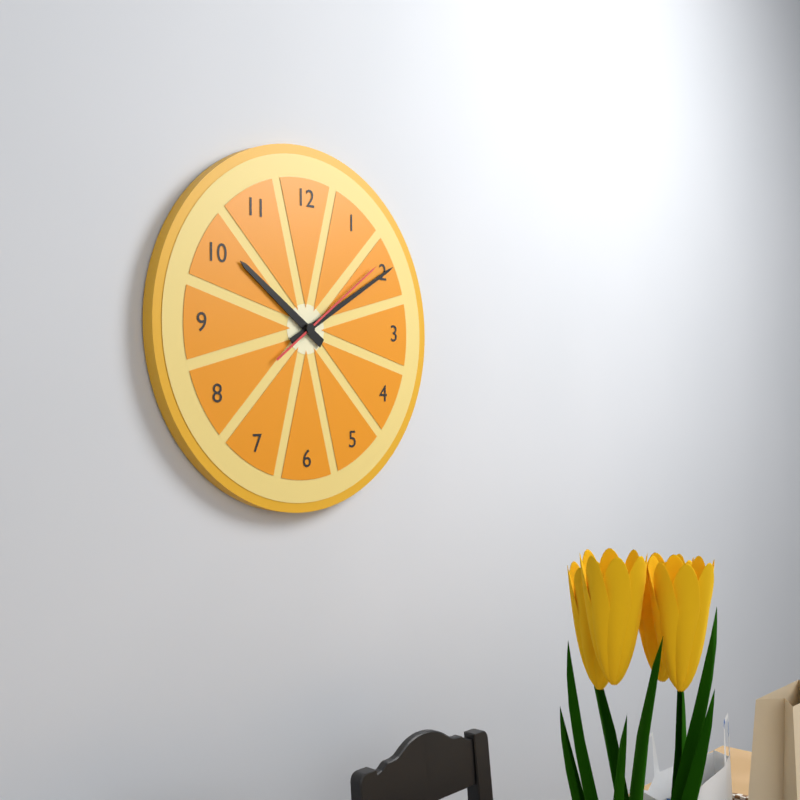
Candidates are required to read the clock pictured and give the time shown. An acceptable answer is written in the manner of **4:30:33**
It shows **10:10:09**
